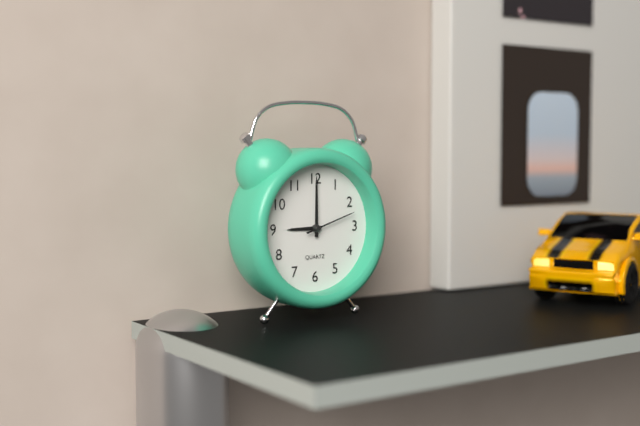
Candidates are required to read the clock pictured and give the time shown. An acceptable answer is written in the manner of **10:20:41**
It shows **9:00:12**
